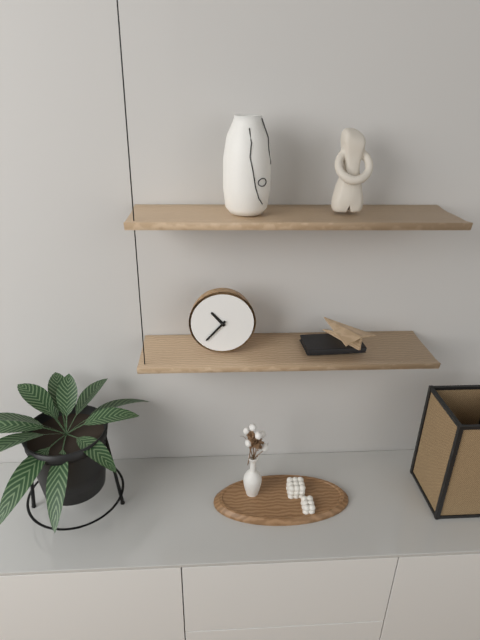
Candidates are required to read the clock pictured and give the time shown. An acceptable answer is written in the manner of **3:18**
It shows **10:37**
